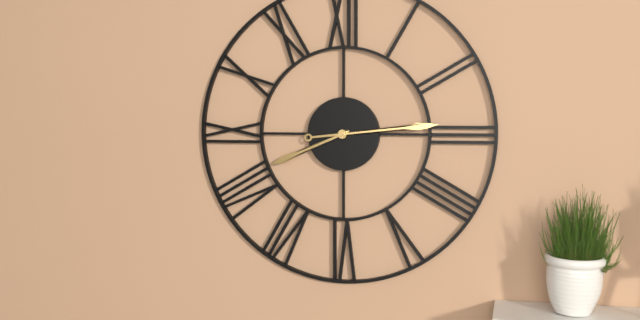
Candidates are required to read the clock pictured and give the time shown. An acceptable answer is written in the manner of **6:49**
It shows **8:14**
